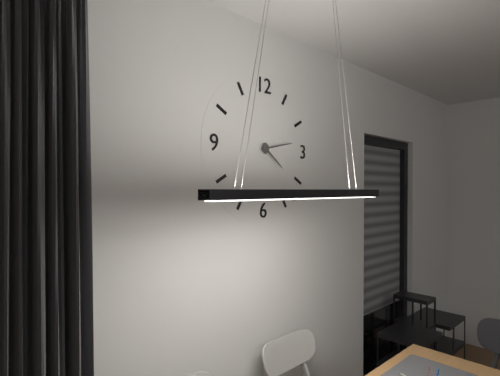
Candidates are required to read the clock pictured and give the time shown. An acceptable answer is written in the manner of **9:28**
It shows **4:13**
